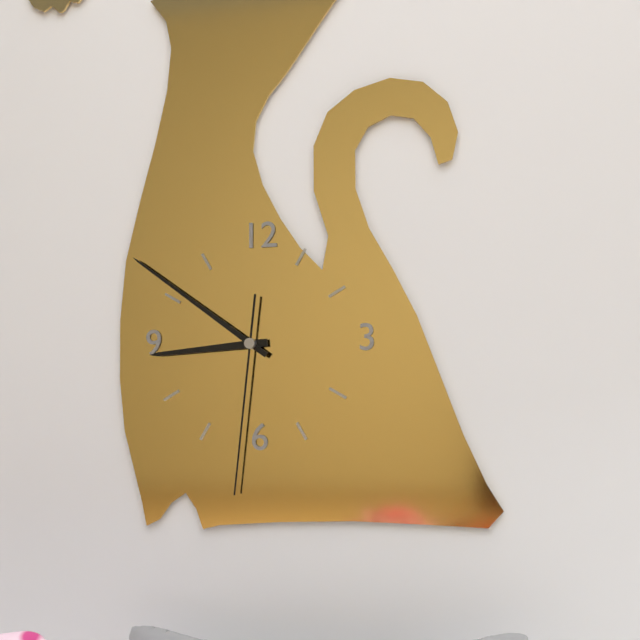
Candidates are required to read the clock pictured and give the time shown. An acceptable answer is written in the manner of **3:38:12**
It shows **8:51:31**
